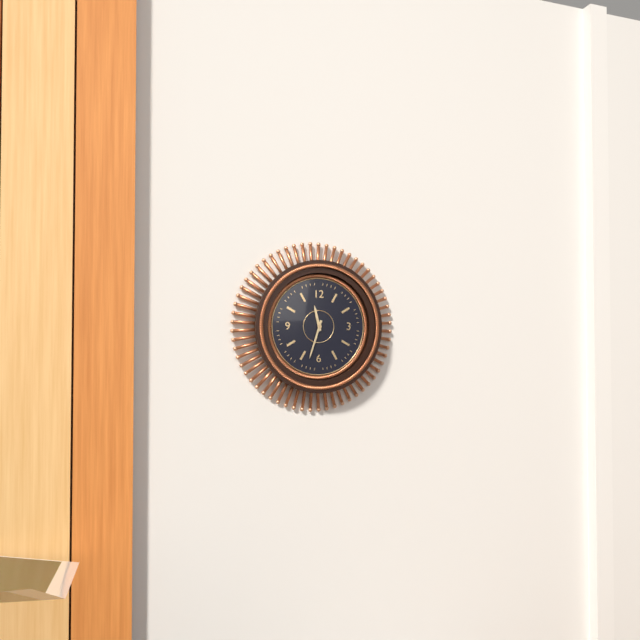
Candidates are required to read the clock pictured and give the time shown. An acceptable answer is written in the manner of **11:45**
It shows **11:33**
